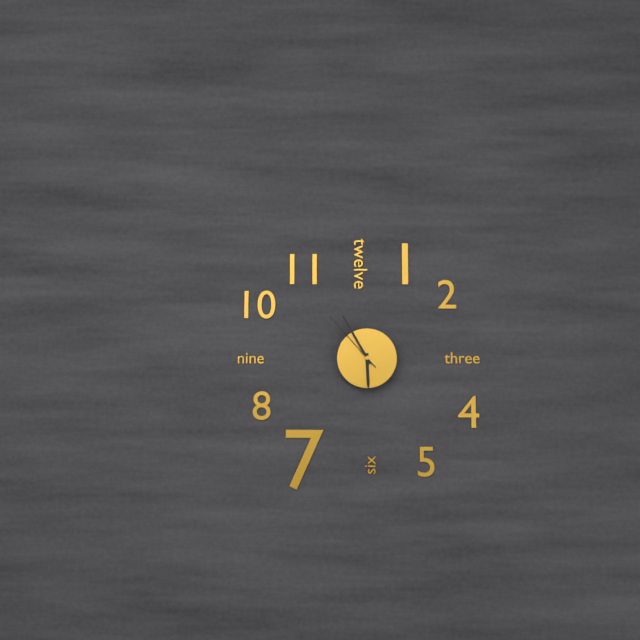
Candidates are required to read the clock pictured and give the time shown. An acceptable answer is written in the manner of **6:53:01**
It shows **5:55:53**
